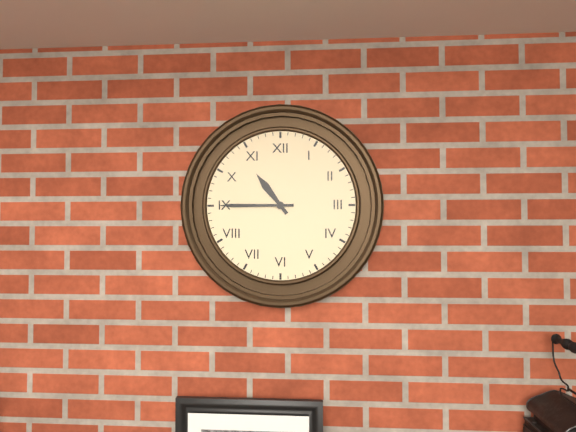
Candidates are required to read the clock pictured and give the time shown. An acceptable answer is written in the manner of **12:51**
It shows **10:45**
